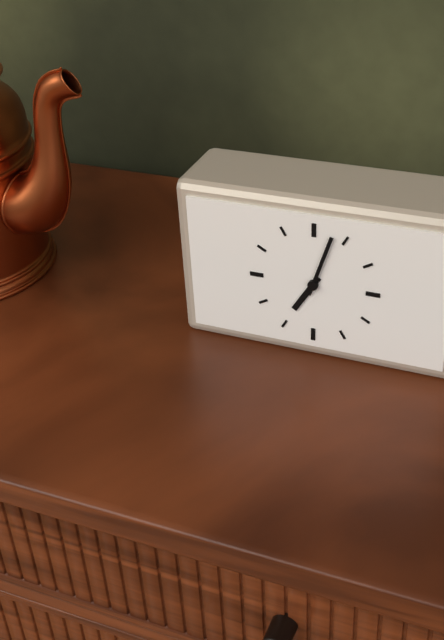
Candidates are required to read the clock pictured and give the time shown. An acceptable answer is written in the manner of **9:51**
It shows **7:03**
